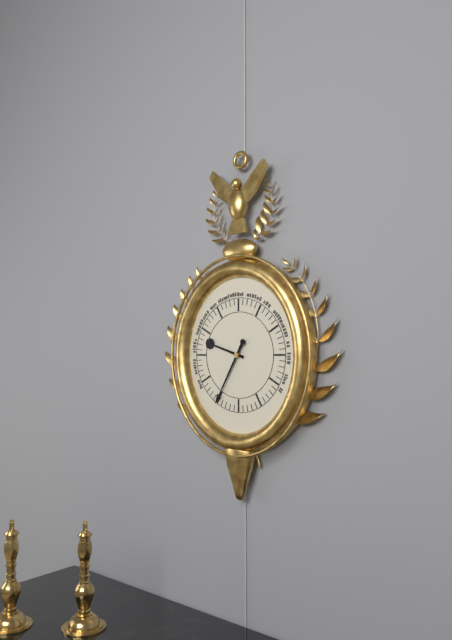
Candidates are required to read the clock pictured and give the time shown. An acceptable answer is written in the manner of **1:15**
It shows **9:35**
